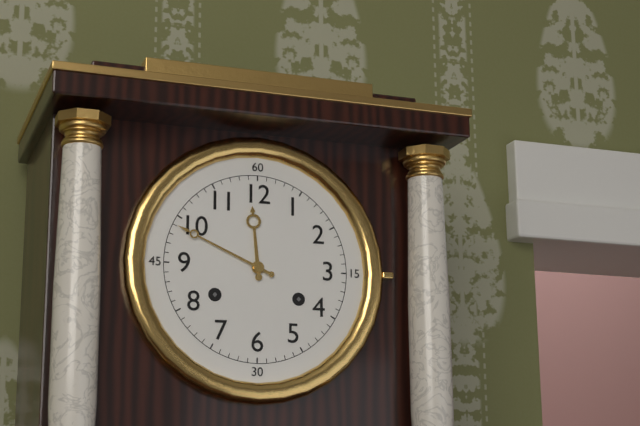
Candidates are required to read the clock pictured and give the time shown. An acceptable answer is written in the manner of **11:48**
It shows **11:49**
